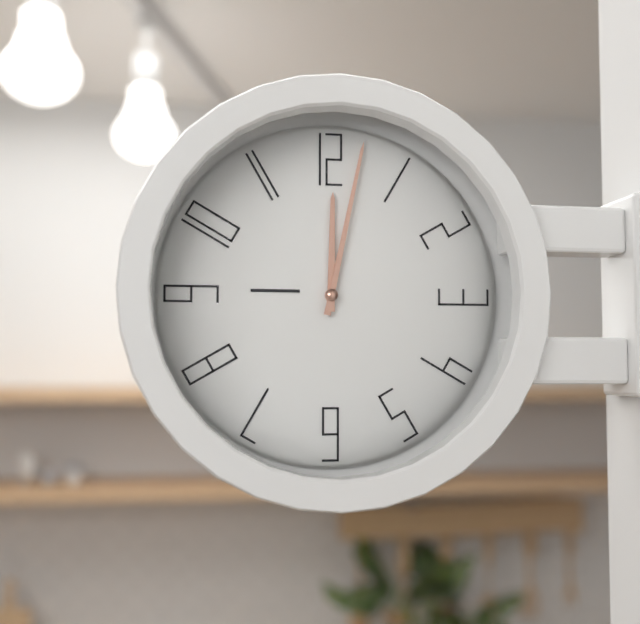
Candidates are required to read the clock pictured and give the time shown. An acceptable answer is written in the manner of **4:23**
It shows **12:02**
